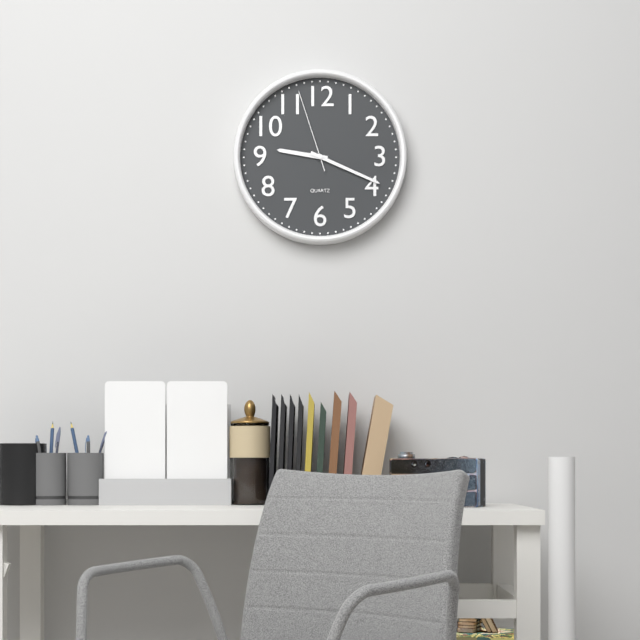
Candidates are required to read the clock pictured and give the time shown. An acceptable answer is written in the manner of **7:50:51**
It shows **9:19:57**
